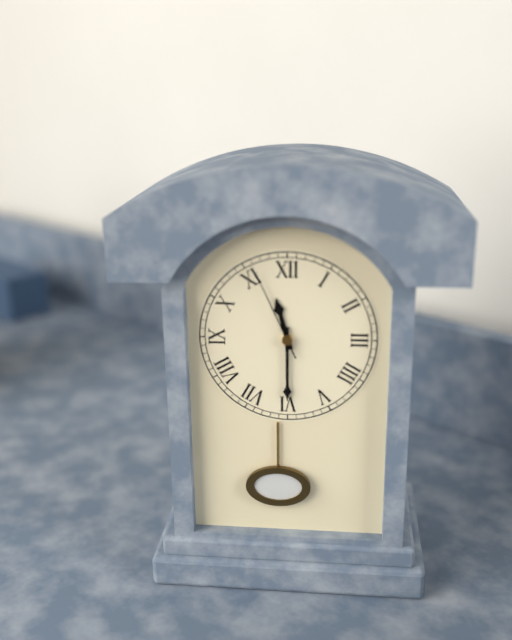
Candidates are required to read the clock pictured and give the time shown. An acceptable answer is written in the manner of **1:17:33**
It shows **11:30:56**
